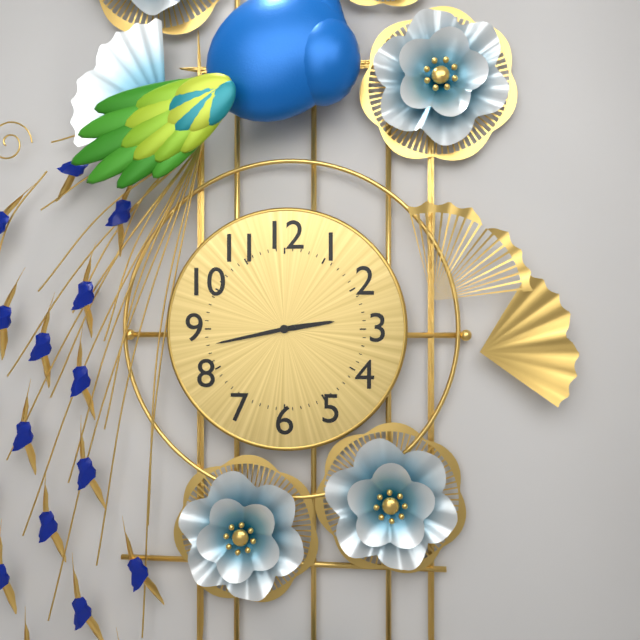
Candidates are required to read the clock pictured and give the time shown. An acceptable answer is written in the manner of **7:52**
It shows **2:43**
